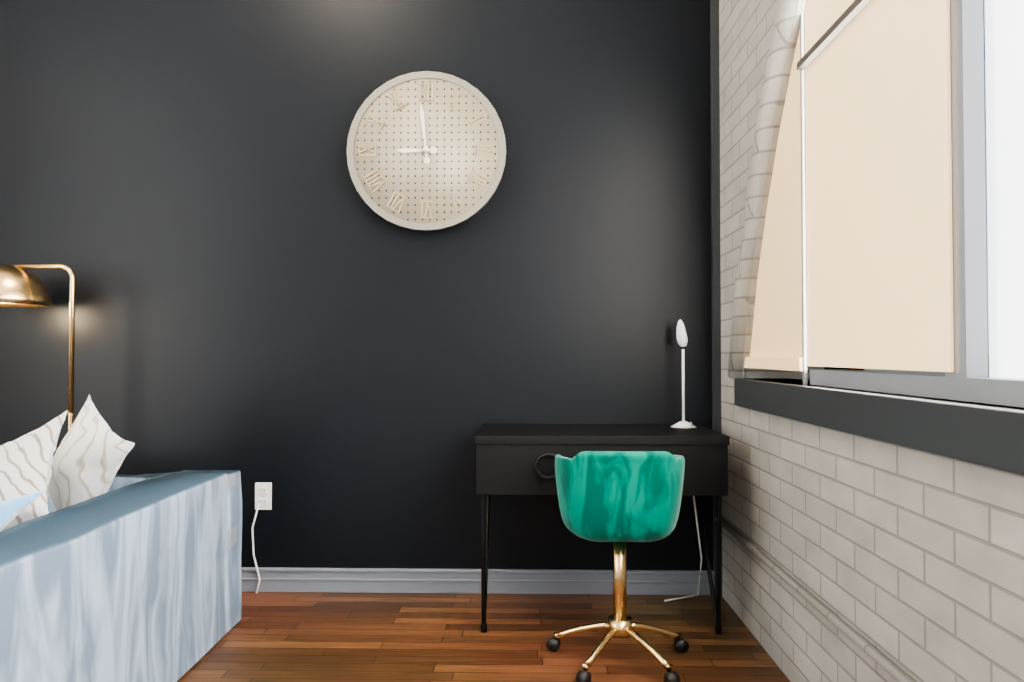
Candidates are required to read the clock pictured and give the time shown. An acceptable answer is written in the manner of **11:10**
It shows **8:59**
